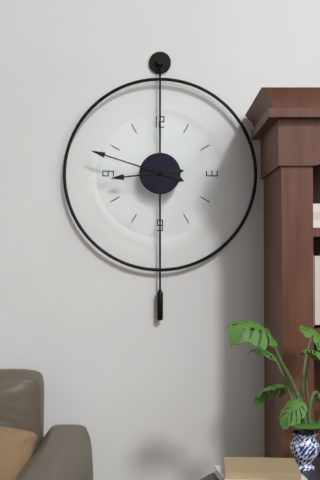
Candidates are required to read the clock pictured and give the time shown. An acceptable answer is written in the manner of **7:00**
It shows **8:48**
